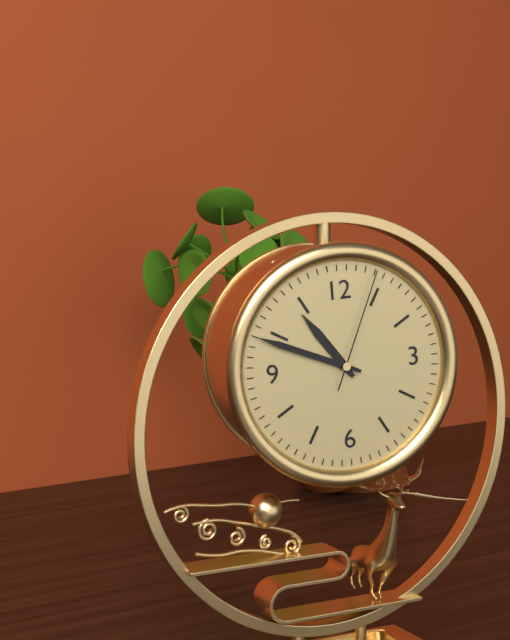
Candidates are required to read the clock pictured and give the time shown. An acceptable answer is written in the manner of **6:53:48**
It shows **10:49:04**
